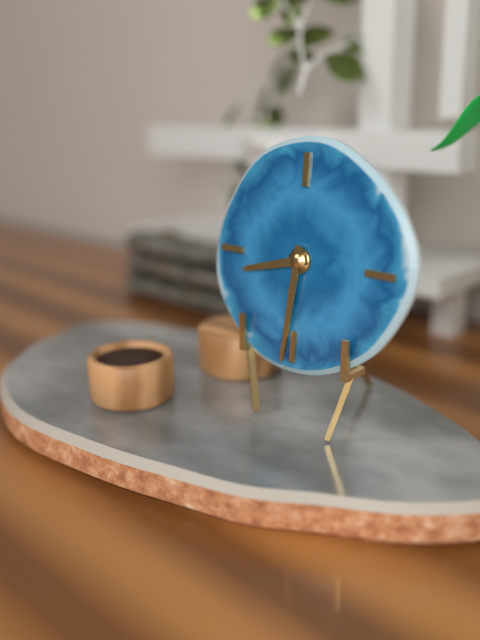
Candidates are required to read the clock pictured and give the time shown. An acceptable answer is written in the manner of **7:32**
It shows **8:31**
